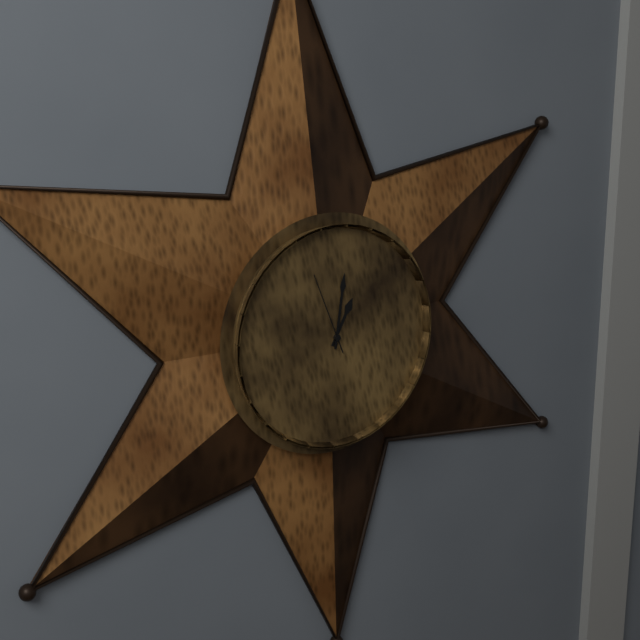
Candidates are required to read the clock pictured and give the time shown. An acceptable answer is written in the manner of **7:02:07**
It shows **1:02:57**
